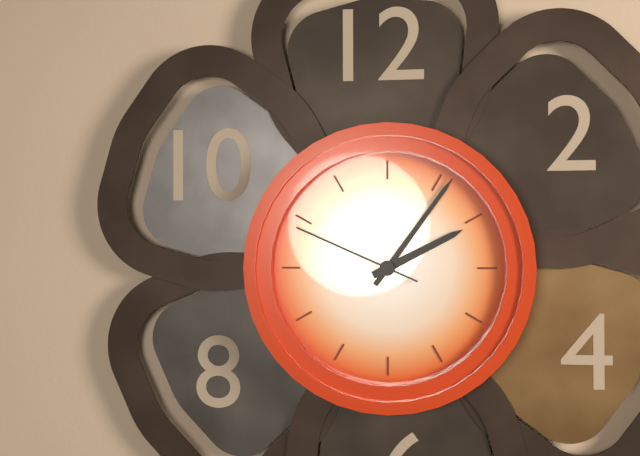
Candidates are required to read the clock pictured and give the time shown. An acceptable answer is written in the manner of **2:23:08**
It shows **2:06:49**
